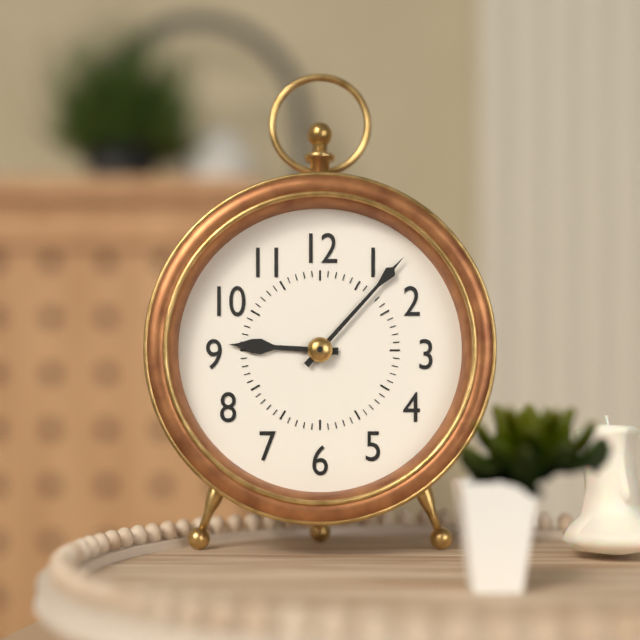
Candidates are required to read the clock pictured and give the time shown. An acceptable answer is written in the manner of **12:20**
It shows **9:07**
